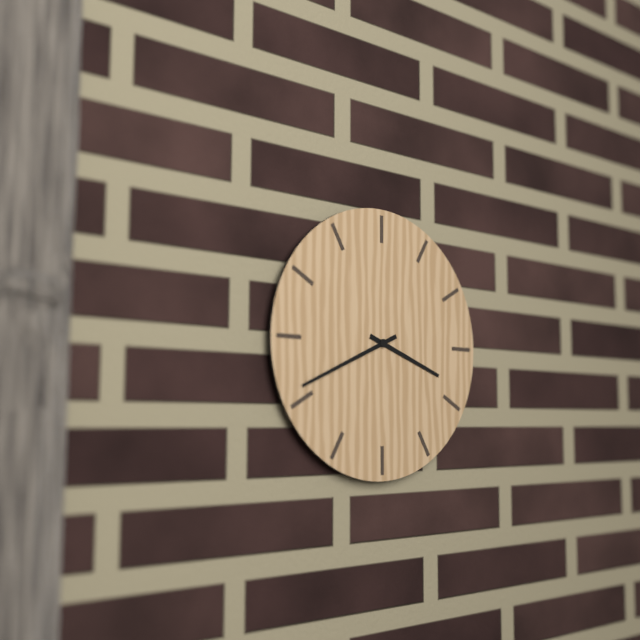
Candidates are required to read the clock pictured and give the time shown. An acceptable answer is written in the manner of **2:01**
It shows **3:41**
